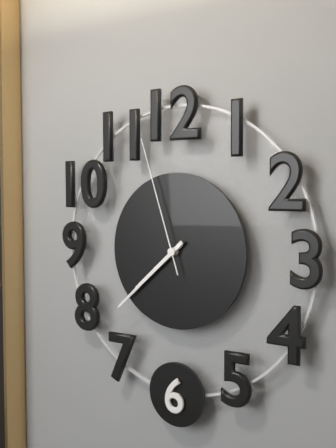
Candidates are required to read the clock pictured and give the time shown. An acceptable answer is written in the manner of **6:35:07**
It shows **7:38:57**
